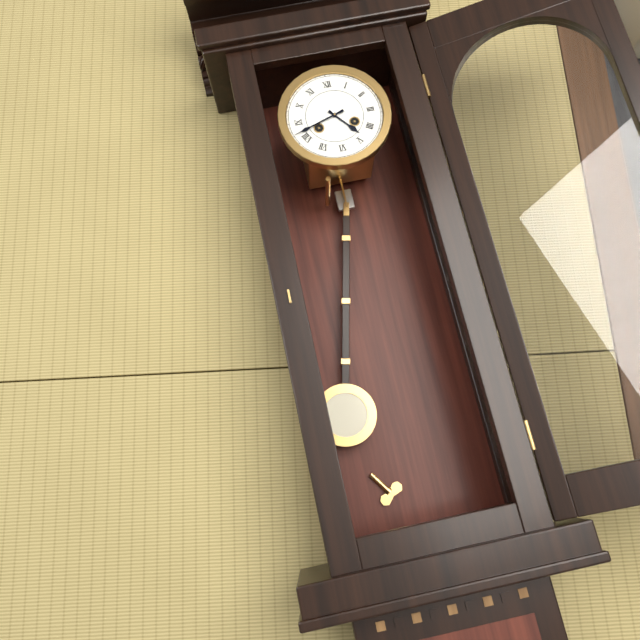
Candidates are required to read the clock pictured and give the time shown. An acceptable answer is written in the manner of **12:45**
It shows **4:42**
